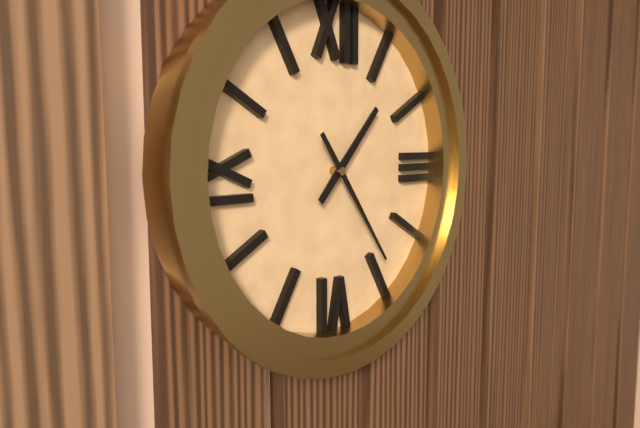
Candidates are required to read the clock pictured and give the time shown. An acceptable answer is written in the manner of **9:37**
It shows **1:24**
